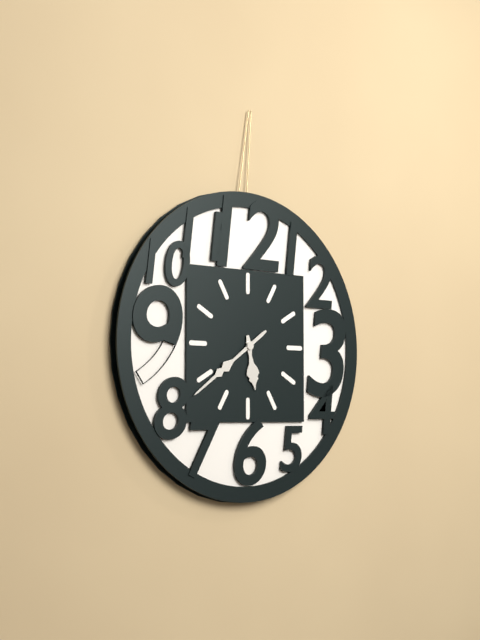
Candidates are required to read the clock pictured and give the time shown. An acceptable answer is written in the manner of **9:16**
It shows **5:39**
